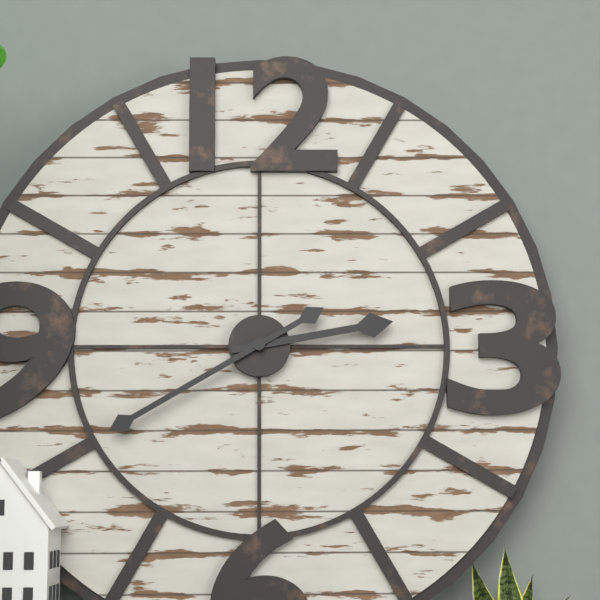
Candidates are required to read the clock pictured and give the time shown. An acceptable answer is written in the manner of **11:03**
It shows **2:40**
